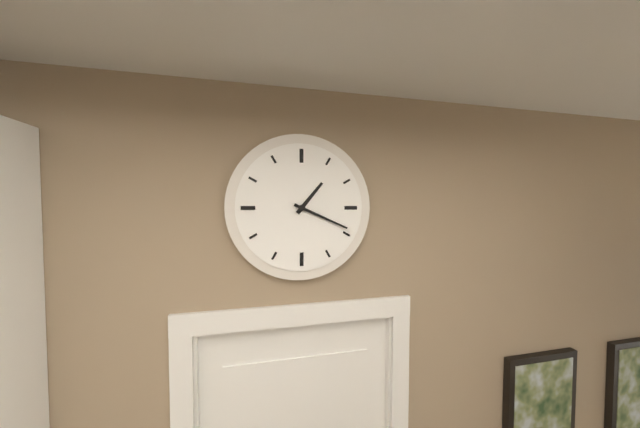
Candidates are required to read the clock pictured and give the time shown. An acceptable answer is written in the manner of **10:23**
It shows **1:19**
